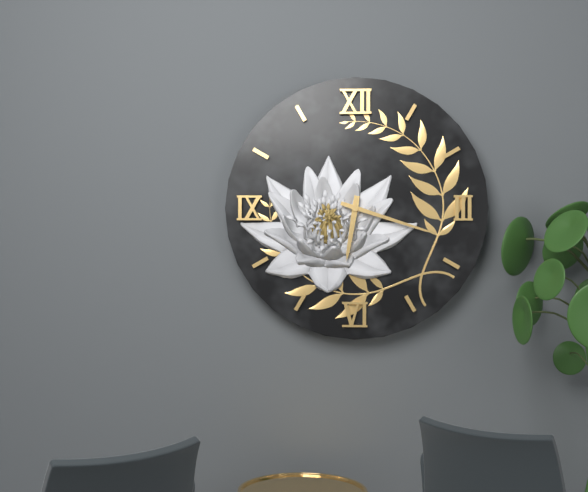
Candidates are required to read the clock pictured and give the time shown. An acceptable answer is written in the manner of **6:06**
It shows **6:18**
